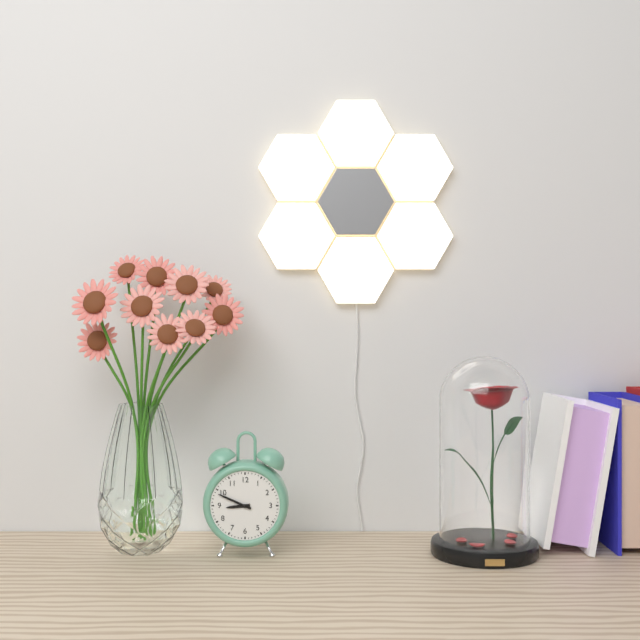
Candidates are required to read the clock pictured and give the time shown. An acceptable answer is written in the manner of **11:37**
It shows **8:49**
